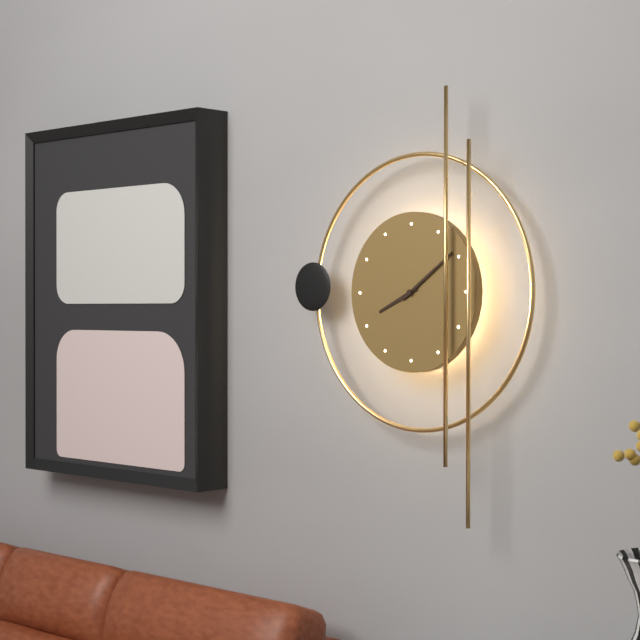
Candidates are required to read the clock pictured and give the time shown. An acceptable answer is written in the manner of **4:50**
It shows **8:09**
